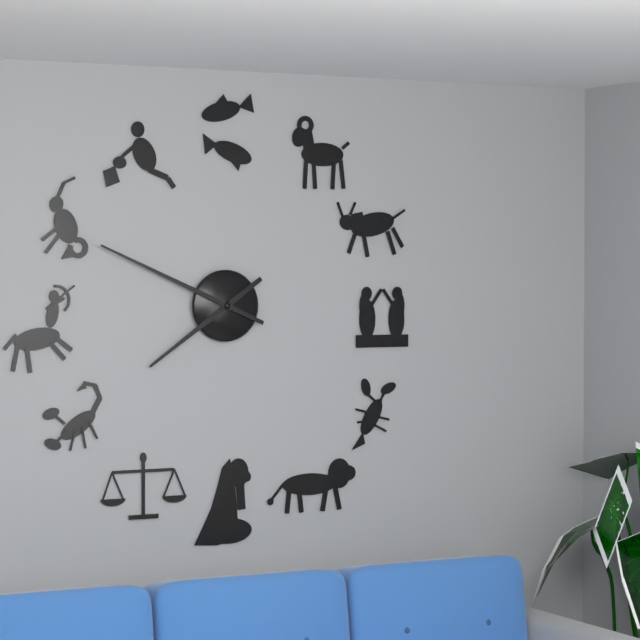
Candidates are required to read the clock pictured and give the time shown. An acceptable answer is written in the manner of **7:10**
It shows **7:49**
